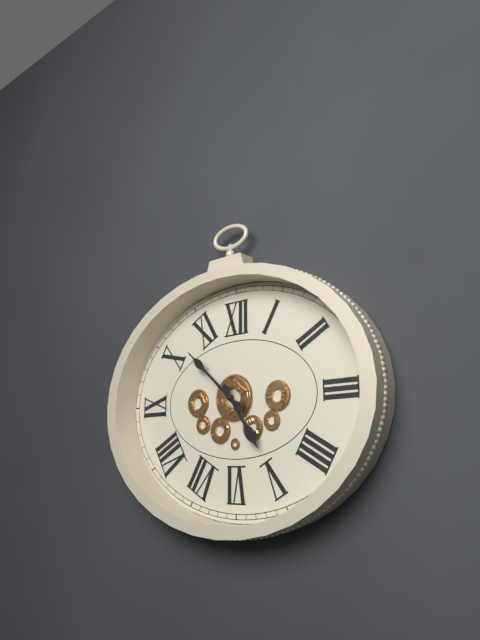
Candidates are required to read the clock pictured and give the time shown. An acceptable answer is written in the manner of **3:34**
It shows **4:52**
